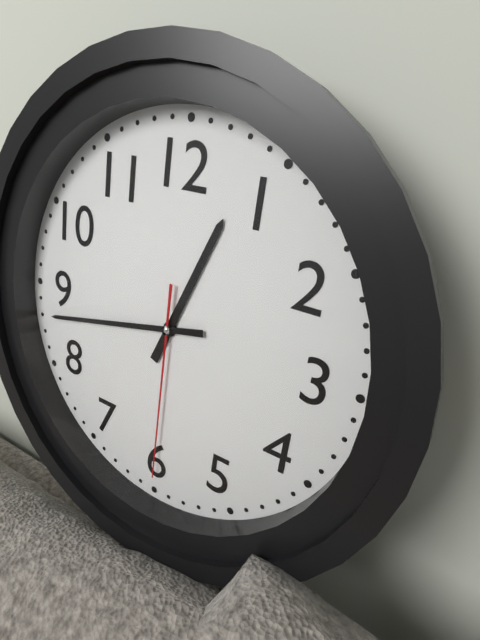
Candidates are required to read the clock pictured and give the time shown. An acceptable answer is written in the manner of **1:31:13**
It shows **12:43:30**
